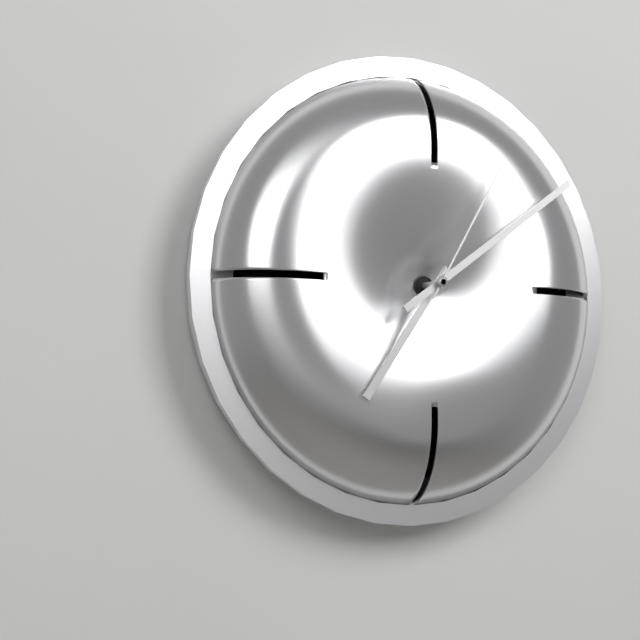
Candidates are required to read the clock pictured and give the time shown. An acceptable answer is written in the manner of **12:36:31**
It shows **7:09:05**
